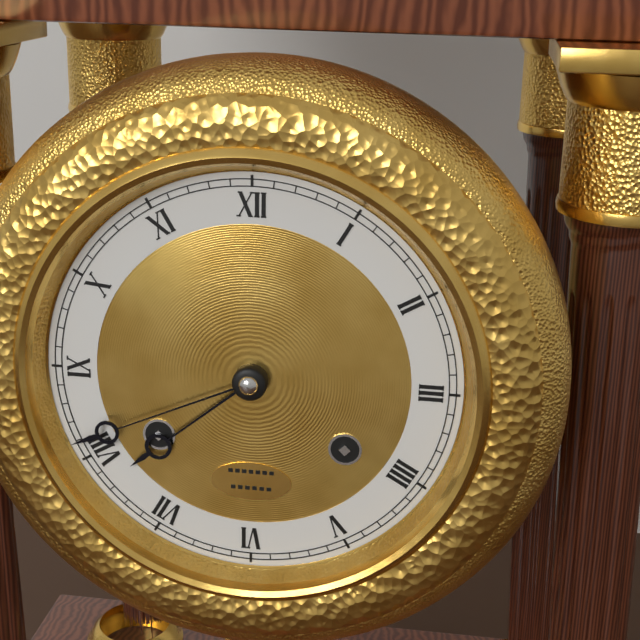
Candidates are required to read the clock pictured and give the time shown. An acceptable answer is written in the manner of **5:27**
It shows **7:41**
